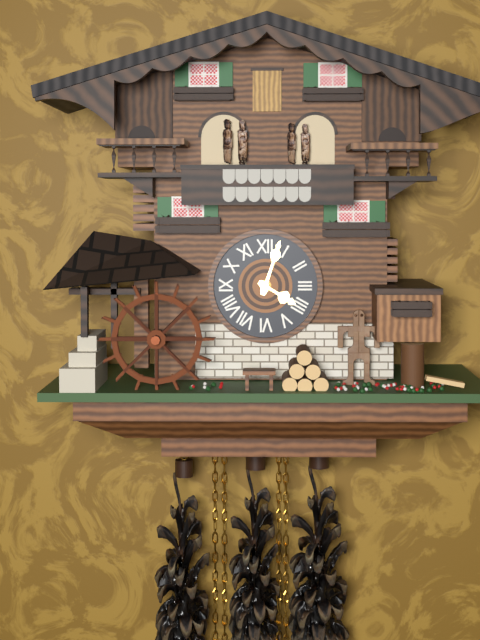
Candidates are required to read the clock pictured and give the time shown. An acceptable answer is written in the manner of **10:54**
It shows **4:03**
